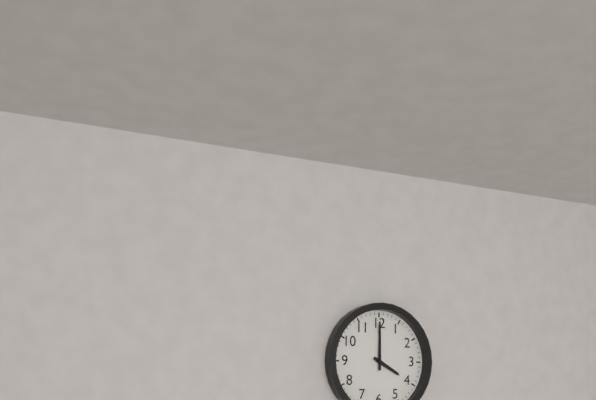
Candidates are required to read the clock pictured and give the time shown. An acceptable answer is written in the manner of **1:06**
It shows **4:00**
